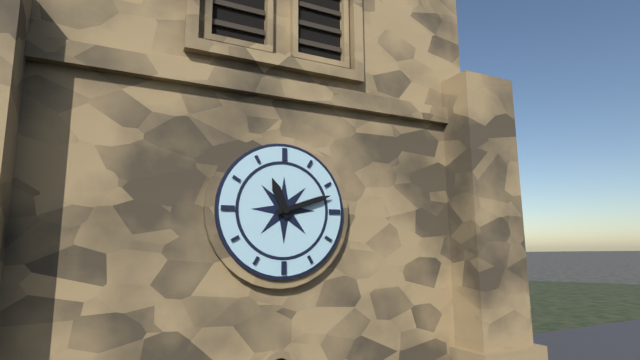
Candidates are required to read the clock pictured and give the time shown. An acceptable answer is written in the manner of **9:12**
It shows **11:12**
